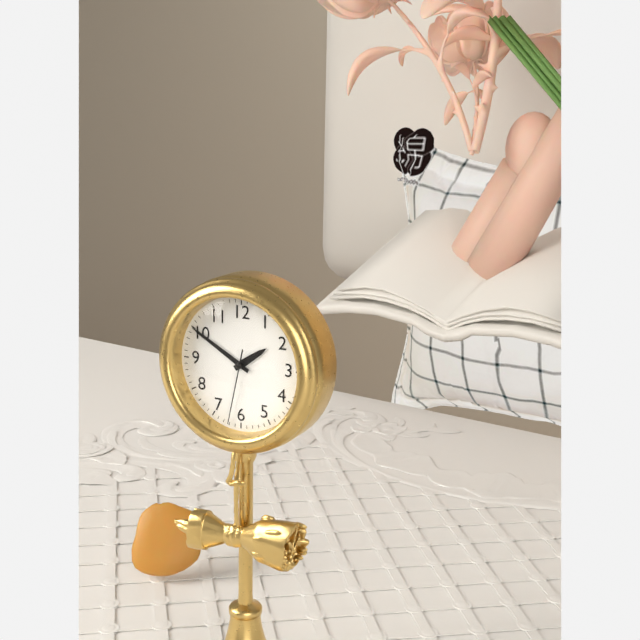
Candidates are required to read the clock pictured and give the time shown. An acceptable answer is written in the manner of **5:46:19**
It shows **1:50:32**
